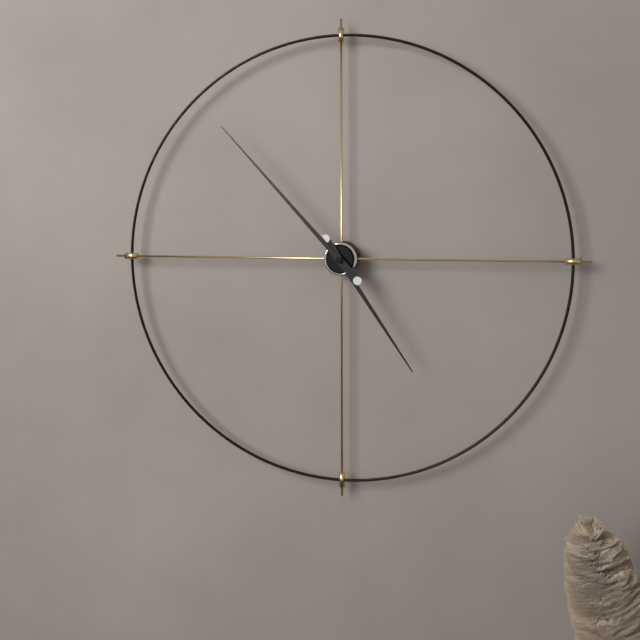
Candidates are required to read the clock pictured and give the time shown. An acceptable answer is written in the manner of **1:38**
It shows **4:53**
